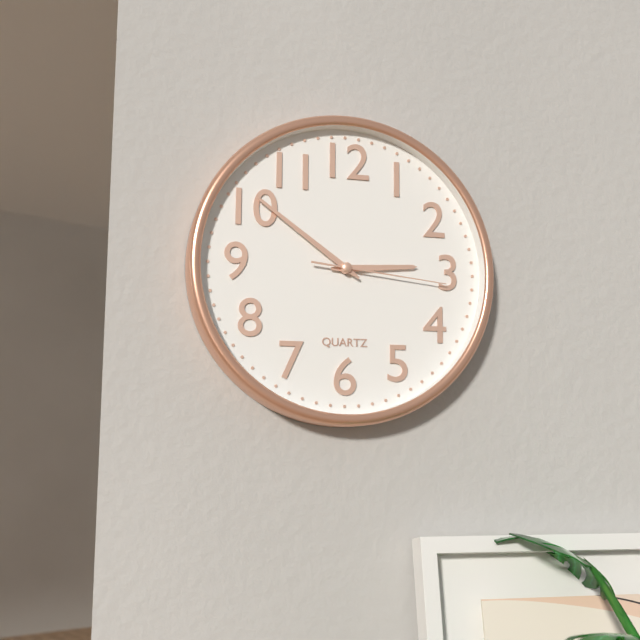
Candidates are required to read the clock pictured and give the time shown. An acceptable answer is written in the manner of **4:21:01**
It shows **2:51:16**
